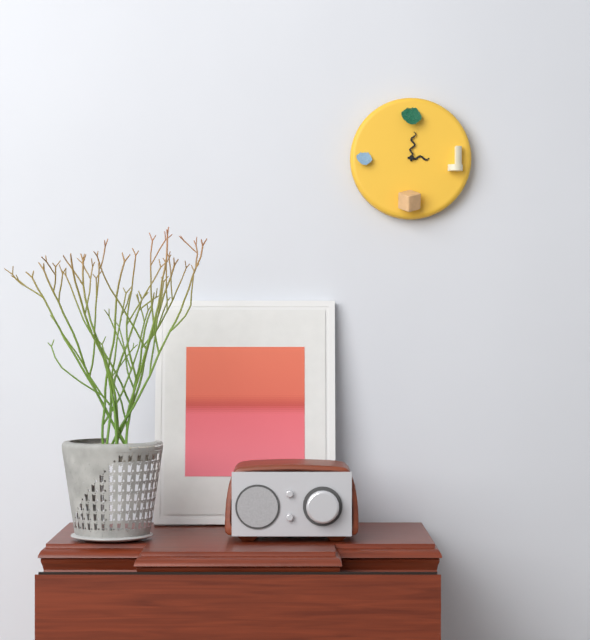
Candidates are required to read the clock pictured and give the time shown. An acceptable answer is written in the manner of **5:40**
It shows **3:01**
